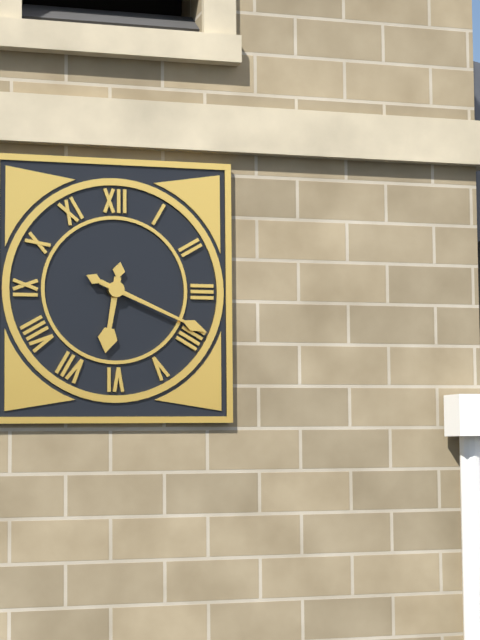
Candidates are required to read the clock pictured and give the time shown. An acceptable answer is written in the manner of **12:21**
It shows **6:19**
